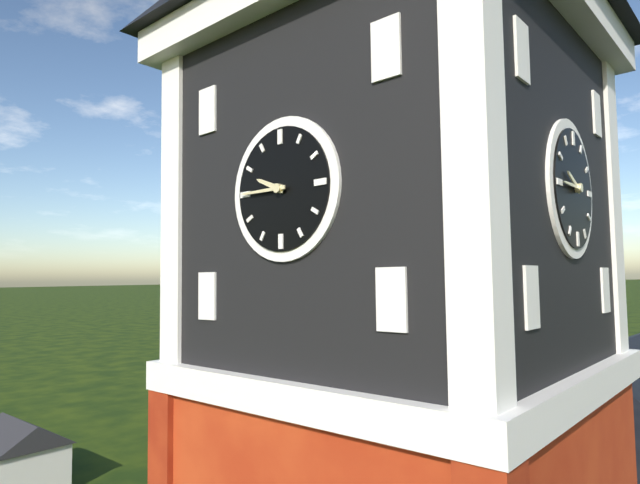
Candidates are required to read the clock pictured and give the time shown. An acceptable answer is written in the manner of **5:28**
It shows **9:45**
